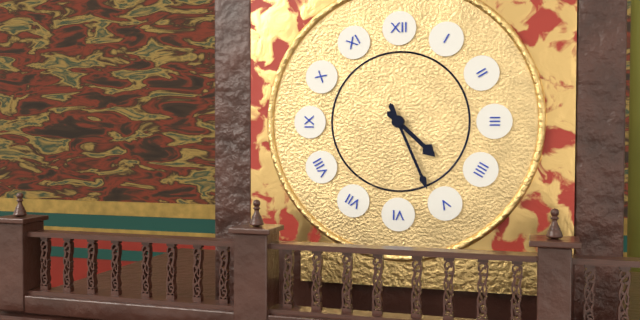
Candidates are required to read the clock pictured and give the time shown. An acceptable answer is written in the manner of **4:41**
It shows **4:26**
